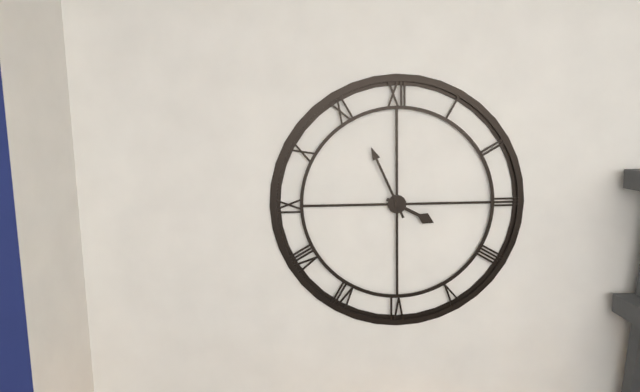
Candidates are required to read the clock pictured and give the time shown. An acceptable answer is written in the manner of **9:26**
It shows **3:56**
